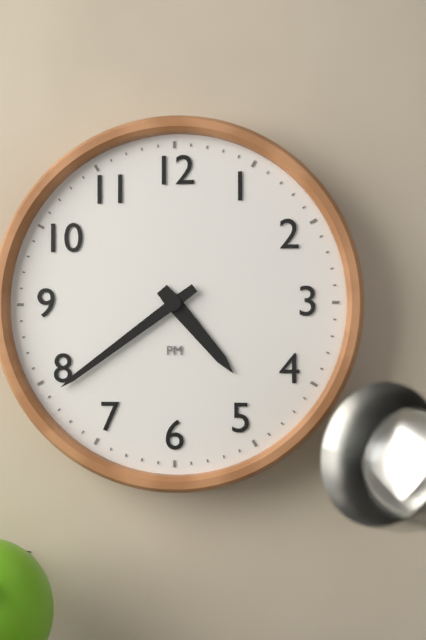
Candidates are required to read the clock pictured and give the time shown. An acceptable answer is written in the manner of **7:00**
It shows **4:39**
